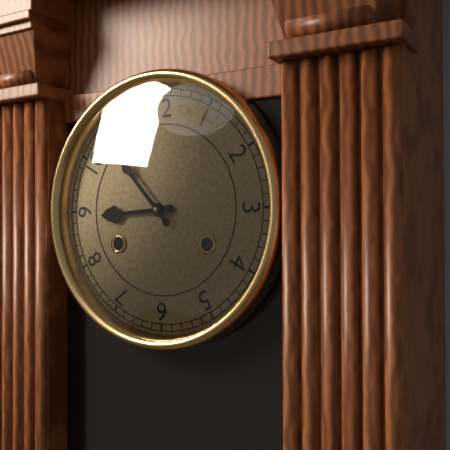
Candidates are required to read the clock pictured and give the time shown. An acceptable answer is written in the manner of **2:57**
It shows **8:53**
